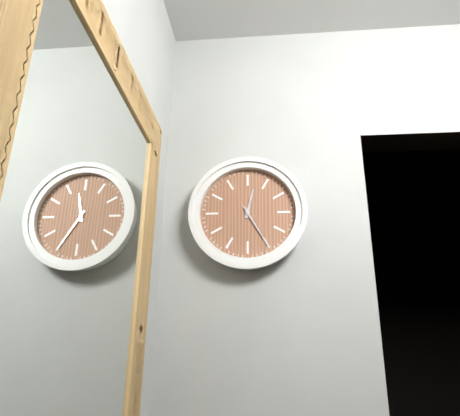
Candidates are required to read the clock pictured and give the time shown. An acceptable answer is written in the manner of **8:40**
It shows **12:25**
